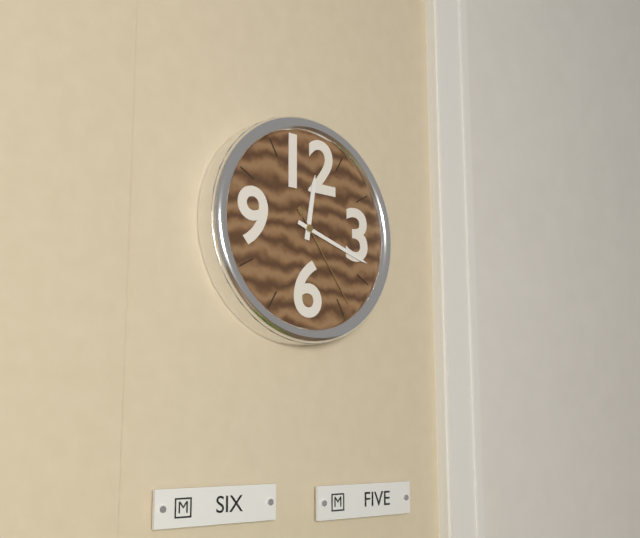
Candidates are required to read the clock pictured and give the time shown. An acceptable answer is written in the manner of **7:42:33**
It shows **12:18:24**
